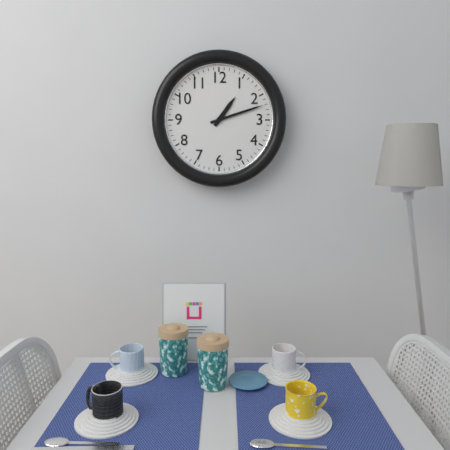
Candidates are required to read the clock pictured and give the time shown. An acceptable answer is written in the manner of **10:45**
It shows **1:12**
